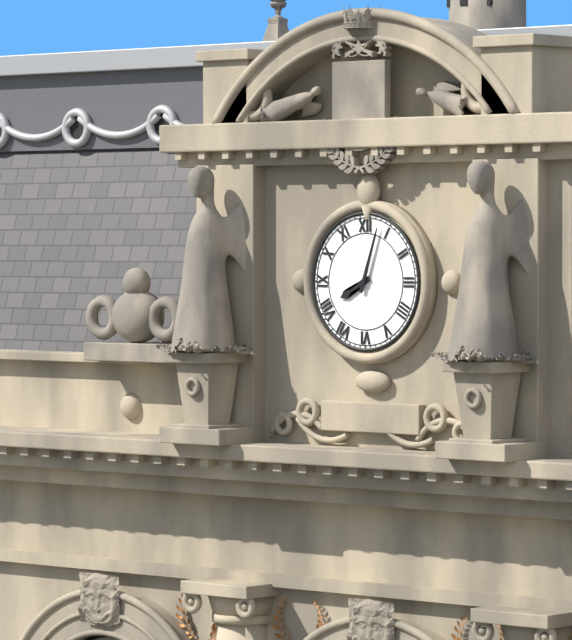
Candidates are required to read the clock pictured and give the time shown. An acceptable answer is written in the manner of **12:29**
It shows **8:03**
